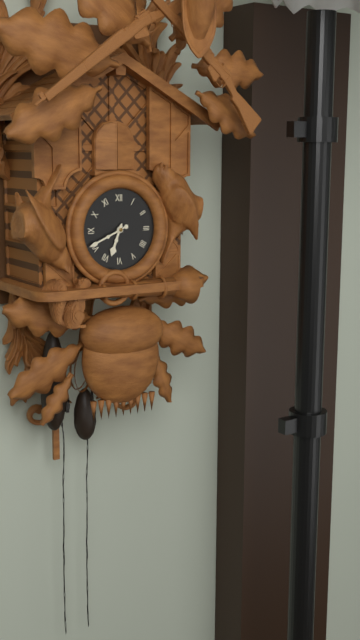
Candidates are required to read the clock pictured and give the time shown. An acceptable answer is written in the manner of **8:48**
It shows **6:41**
